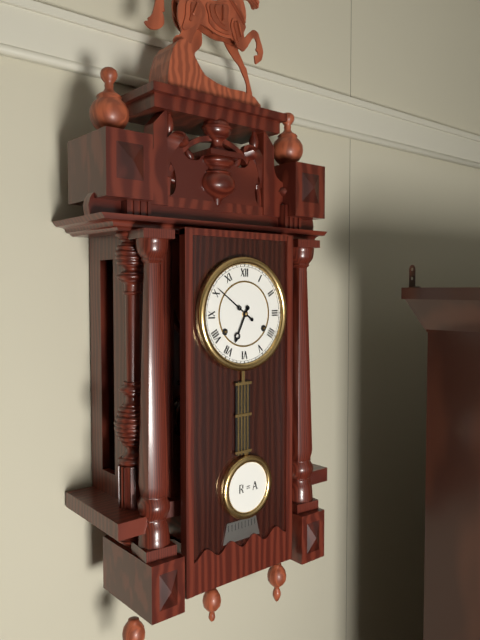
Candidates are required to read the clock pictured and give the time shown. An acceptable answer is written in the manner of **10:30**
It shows **6:51**
